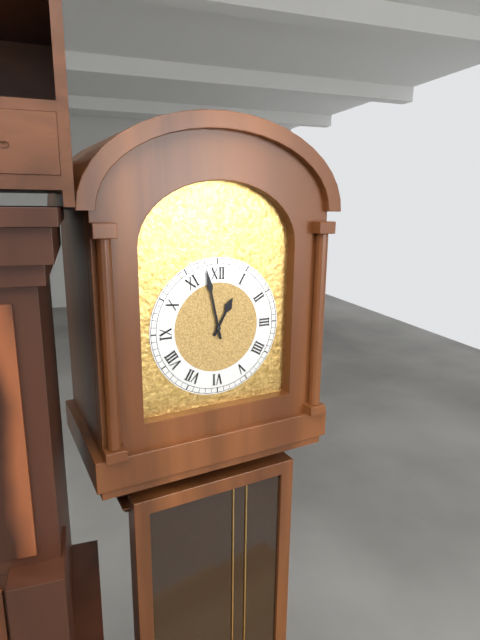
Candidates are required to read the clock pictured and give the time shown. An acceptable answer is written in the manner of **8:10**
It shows **12:58**
